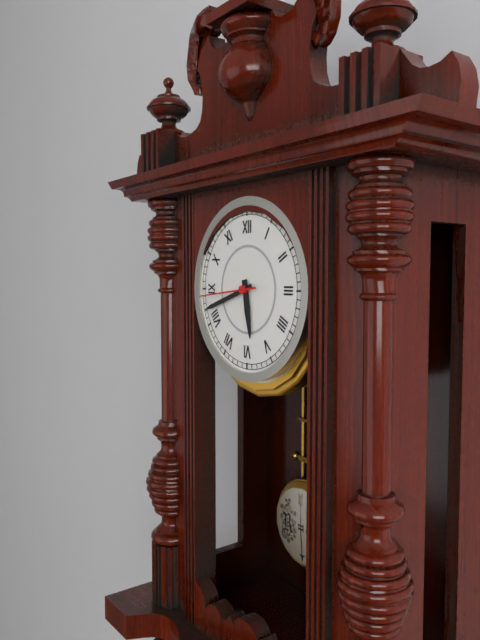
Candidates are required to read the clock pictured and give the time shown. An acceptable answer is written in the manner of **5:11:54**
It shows **5:42:44**
